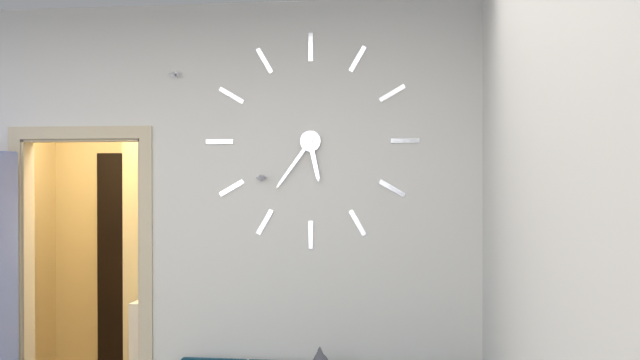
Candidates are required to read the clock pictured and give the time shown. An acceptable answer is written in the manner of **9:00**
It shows **5:36**
